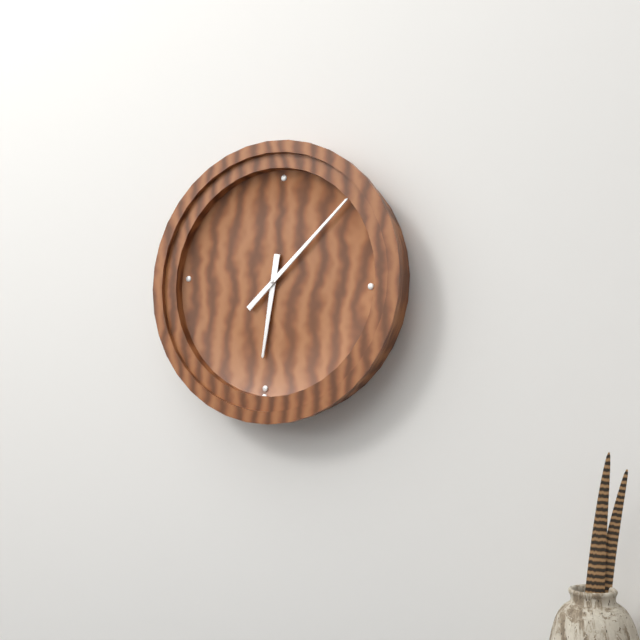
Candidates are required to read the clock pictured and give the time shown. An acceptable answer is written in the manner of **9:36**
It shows **6:07**
